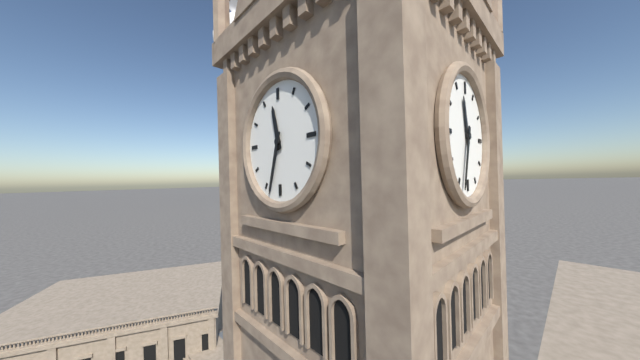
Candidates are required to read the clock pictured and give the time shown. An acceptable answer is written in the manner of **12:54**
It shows **11:33**
